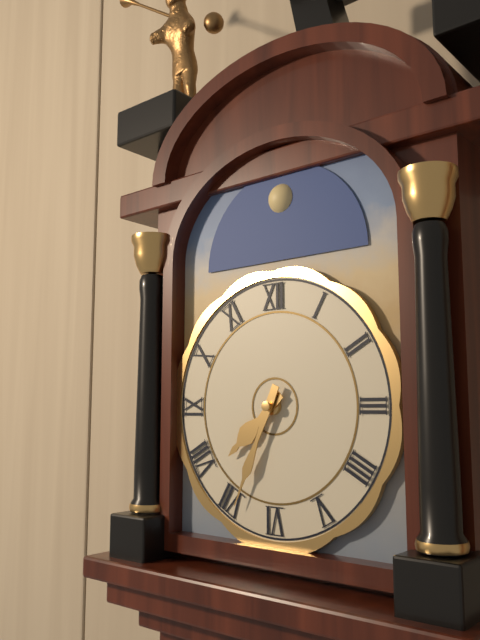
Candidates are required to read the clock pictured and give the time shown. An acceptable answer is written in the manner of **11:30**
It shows **7:34**
